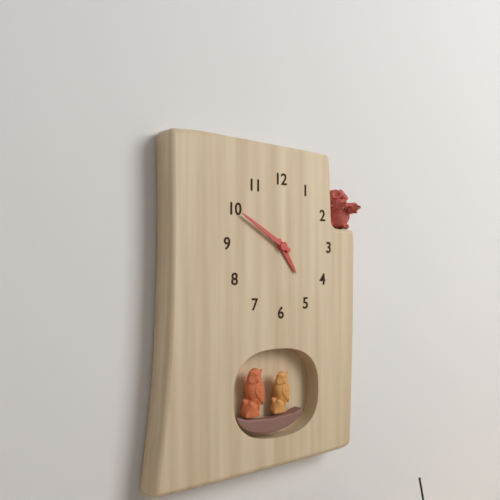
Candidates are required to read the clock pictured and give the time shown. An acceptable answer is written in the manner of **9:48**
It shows **4:50**
